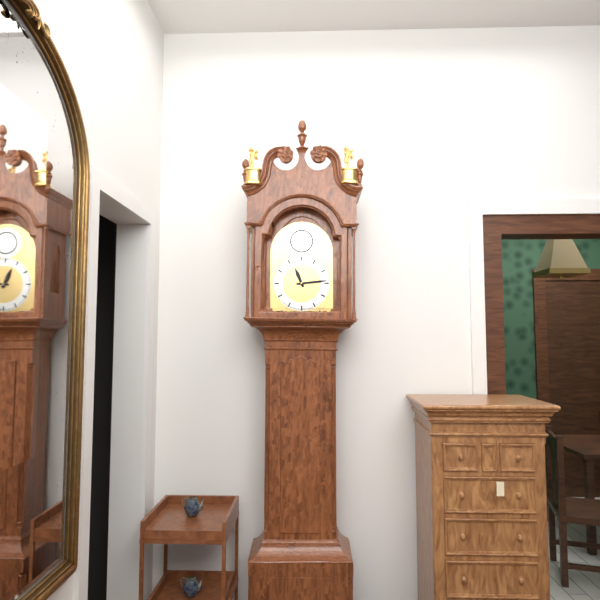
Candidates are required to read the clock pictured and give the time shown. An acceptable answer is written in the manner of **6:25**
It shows **11:14**
